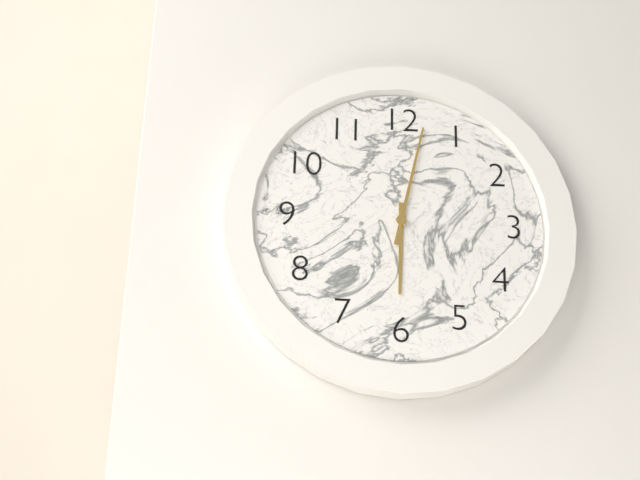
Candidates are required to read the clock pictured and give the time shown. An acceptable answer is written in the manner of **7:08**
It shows **6:02**
